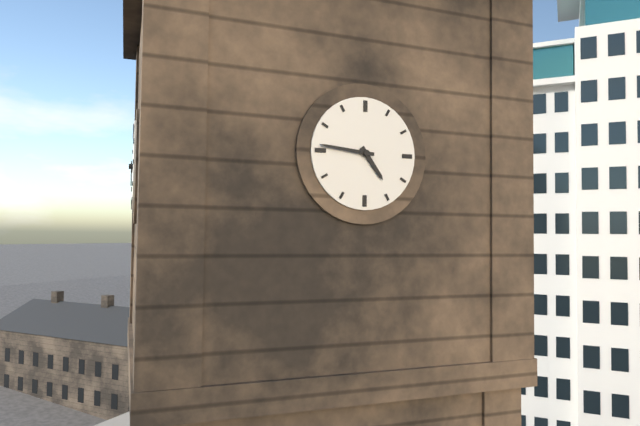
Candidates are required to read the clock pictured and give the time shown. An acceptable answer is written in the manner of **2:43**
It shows **4:46**
